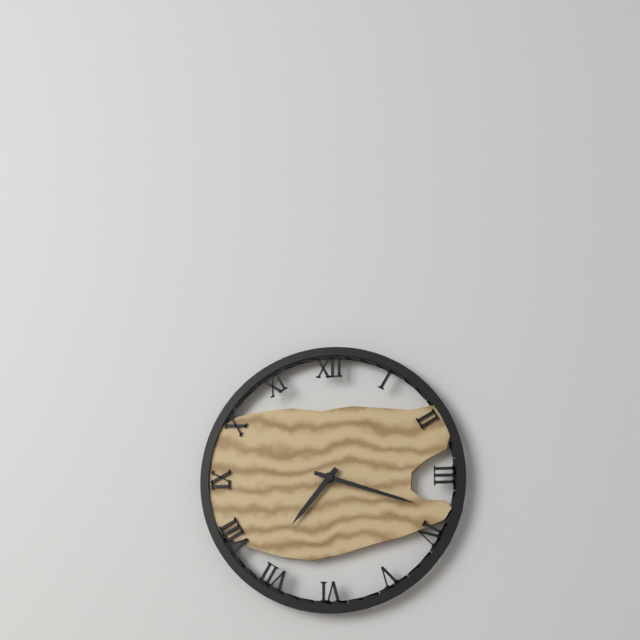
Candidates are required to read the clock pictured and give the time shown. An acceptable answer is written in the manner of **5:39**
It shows **7:18**
